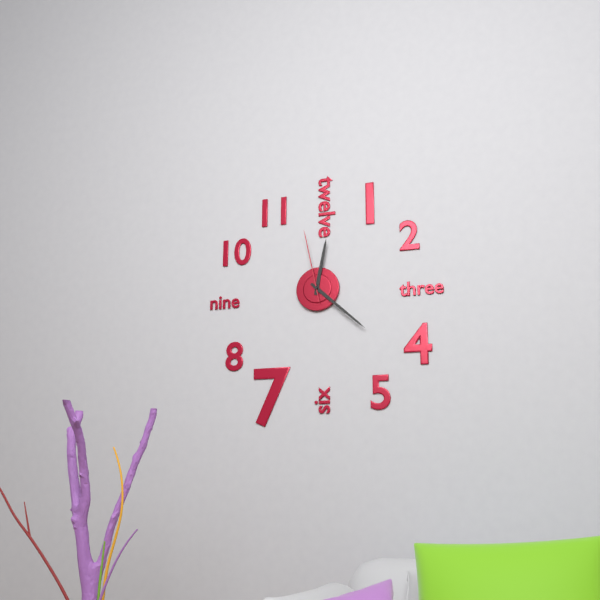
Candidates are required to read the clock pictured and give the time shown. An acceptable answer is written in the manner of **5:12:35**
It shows **12:22:58**
